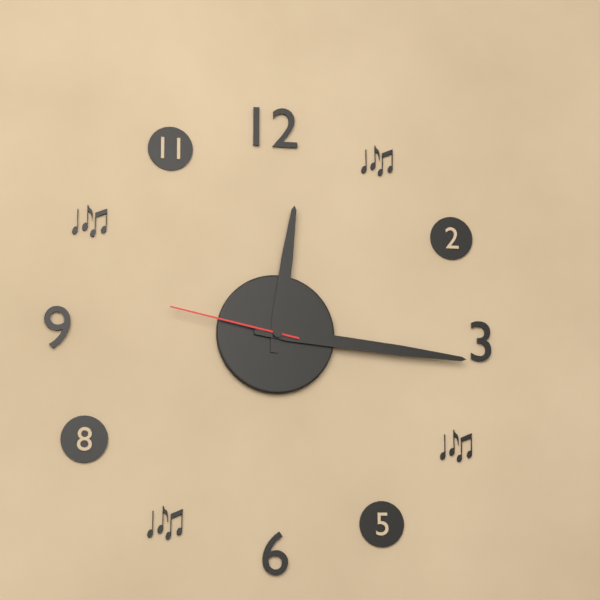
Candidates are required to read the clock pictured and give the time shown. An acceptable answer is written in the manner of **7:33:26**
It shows **12:16:47**
